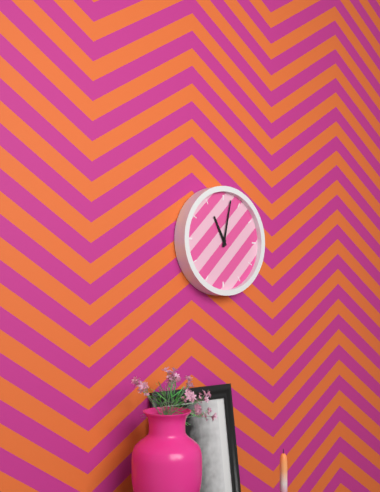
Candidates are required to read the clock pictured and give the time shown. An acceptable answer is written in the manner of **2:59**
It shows **11:02**
